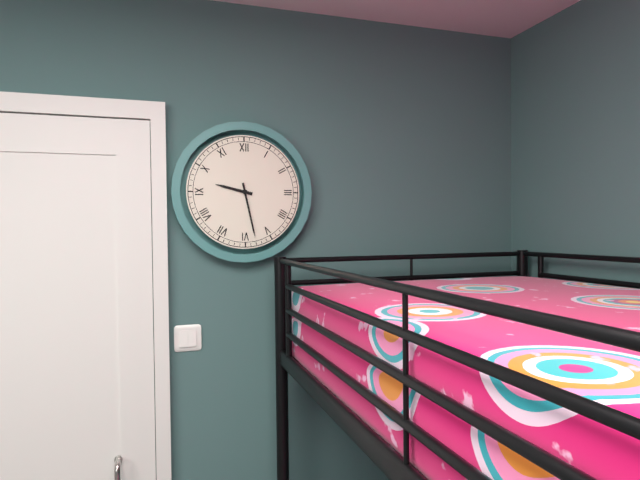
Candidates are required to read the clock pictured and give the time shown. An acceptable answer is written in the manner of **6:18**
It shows **9:28**
